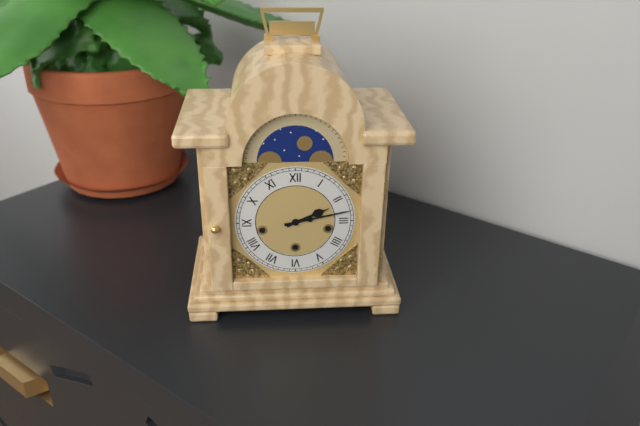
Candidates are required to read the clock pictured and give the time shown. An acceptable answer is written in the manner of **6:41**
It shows **2:13**
